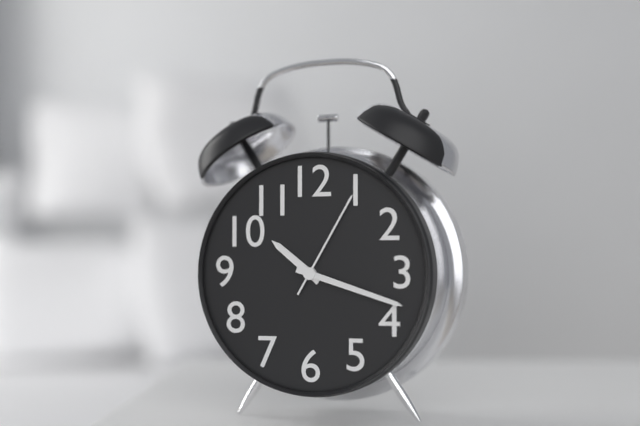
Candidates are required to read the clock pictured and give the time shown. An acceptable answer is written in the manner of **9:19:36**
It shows **10:18:05**
